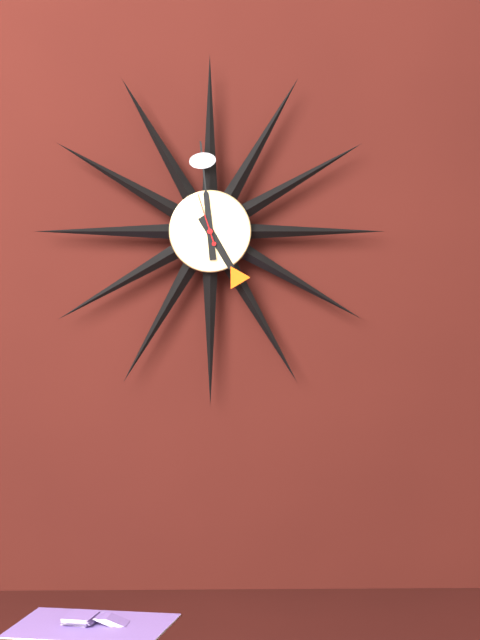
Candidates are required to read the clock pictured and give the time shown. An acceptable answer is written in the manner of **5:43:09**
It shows **4:59:57**
